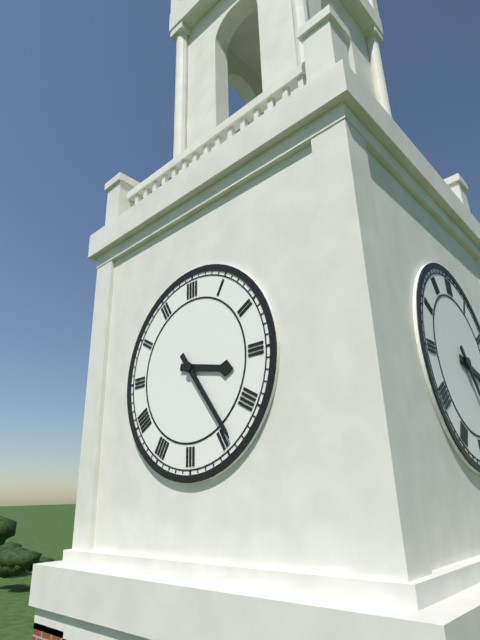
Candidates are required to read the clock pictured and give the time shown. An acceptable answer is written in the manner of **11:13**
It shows **3:24**
